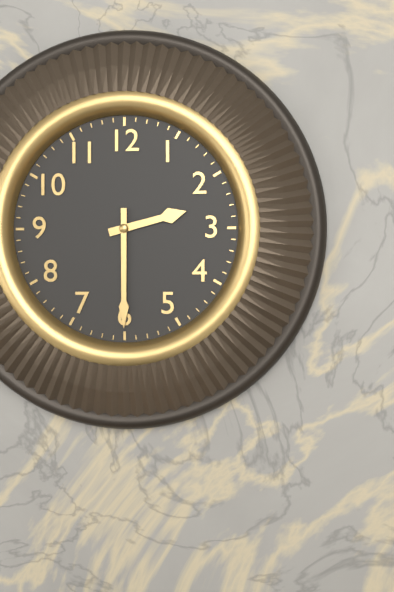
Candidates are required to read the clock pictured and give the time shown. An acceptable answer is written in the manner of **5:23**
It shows **2:30**
